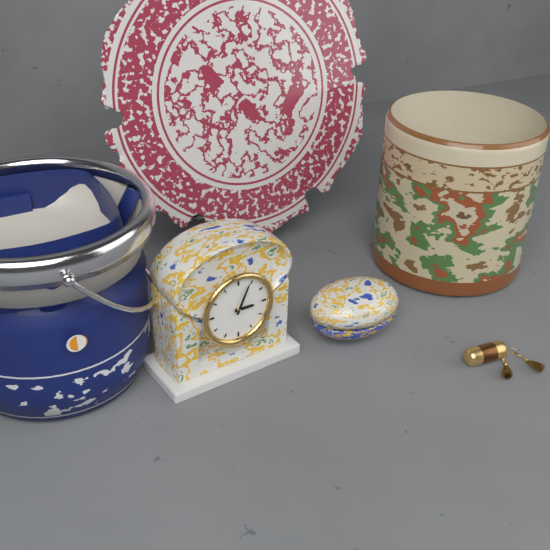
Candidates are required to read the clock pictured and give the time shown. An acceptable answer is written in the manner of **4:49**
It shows **3:04**
